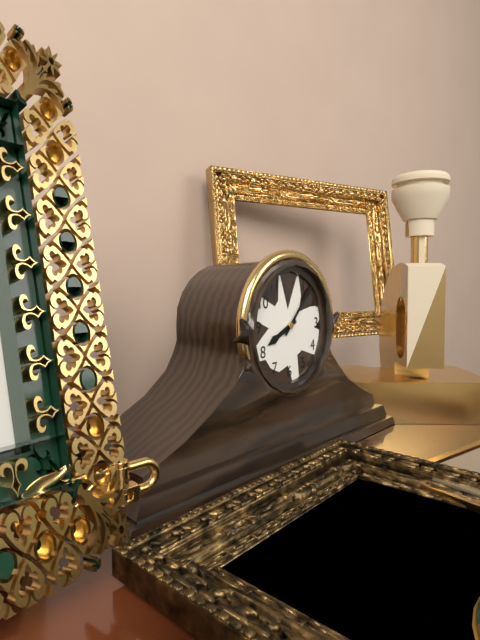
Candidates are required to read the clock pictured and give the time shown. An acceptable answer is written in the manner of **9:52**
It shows **8:07**
